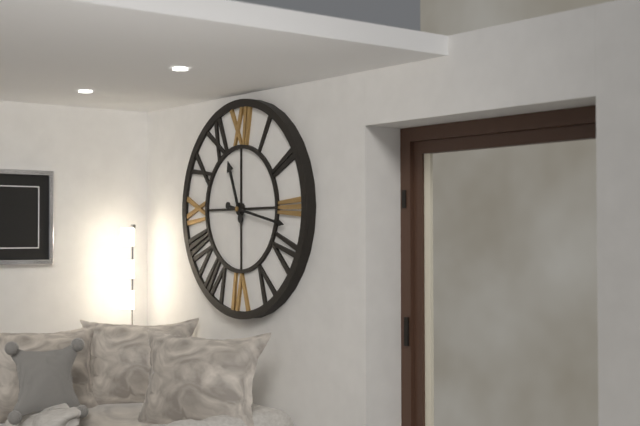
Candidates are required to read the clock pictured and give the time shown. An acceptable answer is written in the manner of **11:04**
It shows **11:17**
